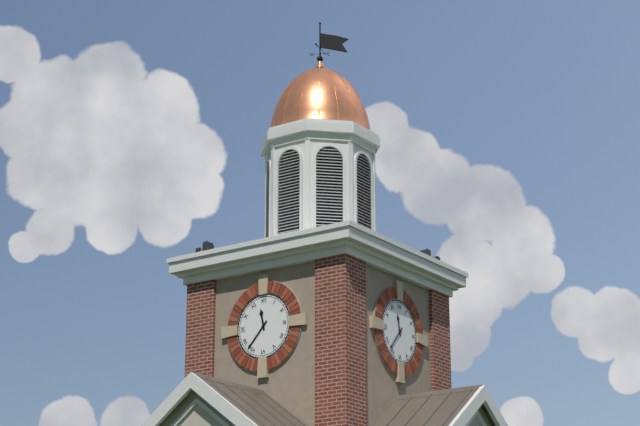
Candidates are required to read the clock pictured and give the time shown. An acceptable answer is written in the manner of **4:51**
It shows **11:37**
